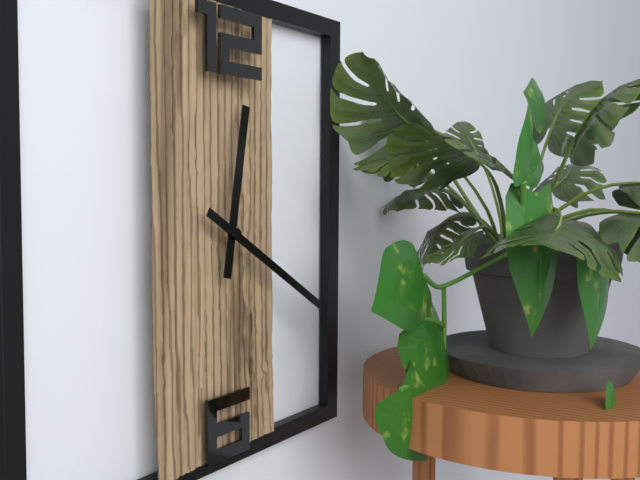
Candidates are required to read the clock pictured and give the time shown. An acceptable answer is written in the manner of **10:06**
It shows **12:20**
